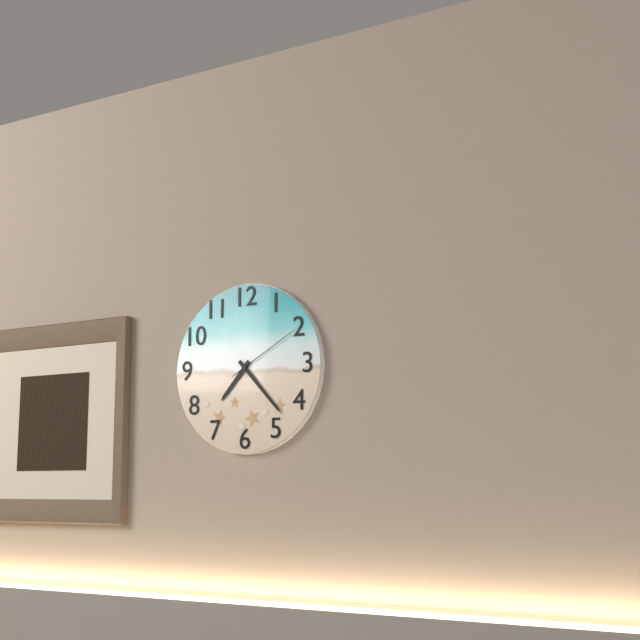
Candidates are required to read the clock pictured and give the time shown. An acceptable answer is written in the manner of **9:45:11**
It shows **7:23:10**
